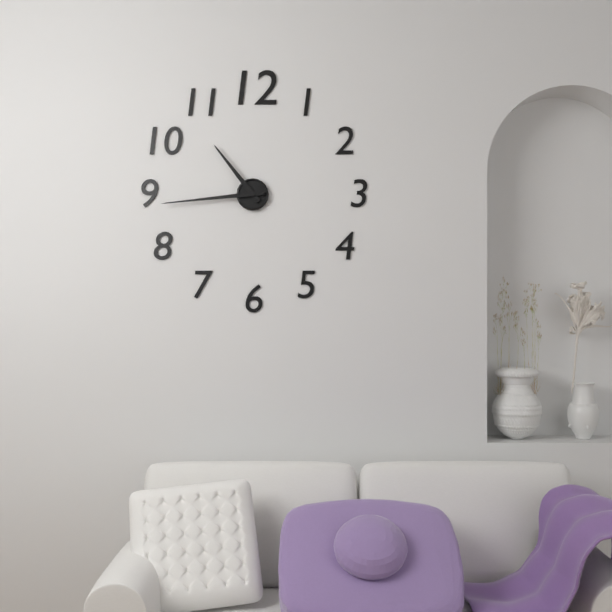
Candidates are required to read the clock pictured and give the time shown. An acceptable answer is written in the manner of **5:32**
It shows **10:44**
